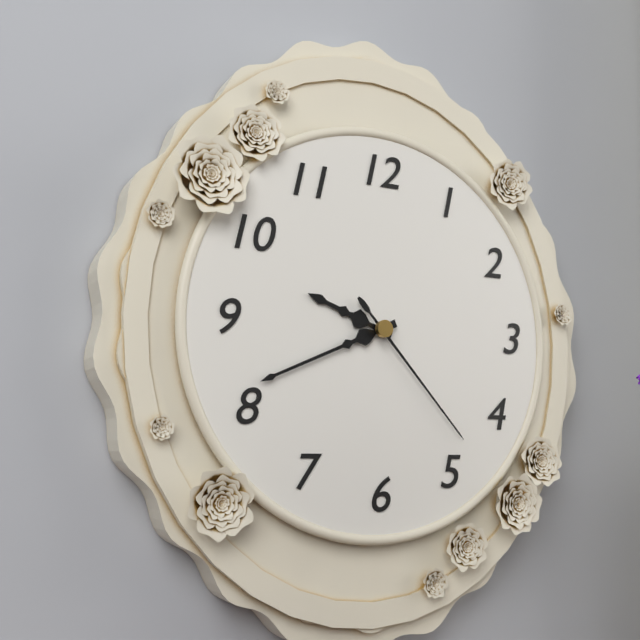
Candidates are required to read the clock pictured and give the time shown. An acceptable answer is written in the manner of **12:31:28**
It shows **9:41:23**
